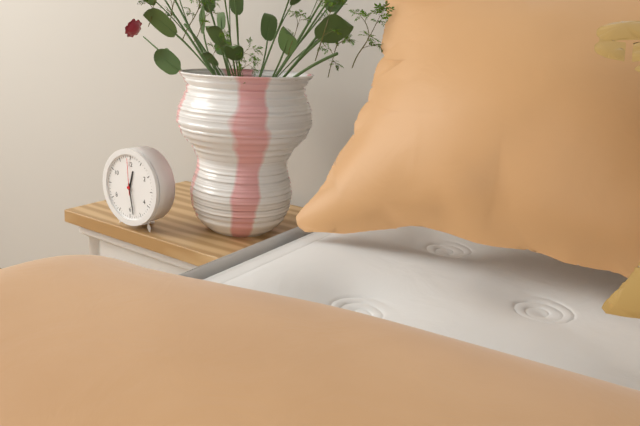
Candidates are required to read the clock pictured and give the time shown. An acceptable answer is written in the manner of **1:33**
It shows **12:28**
